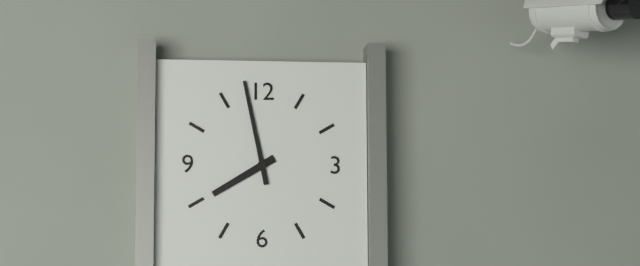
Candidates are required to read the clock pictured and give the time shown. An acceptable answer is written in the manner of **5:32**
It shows **7:58**
